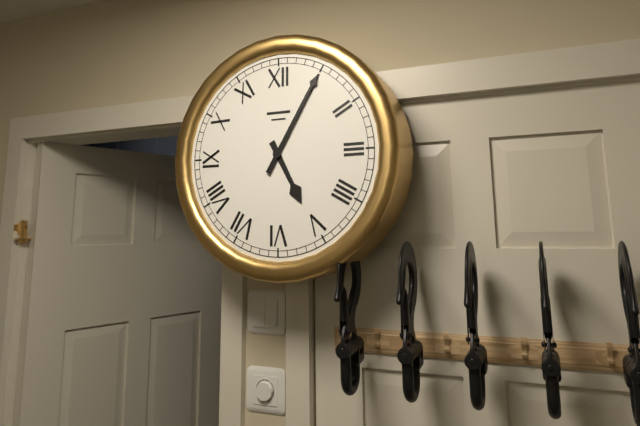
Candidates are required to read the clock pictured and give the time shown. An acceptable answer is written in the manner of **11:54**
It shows **5:05**
